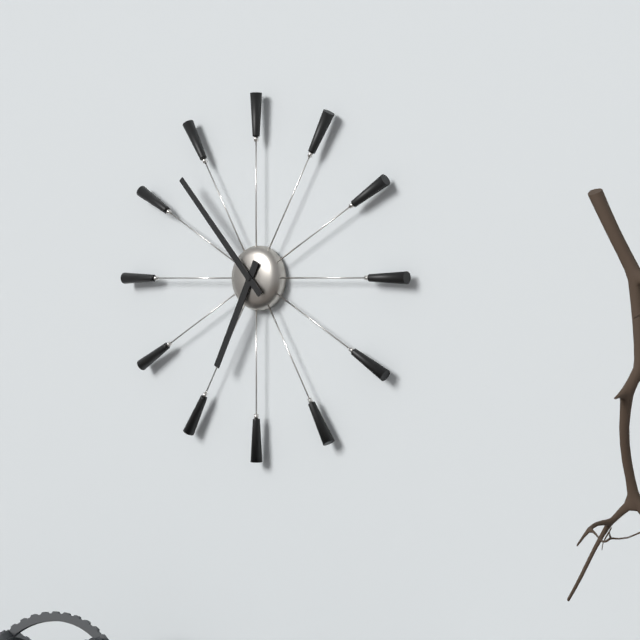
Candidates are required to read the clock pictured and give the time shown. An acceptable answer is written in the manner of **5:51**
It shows **6:53**
